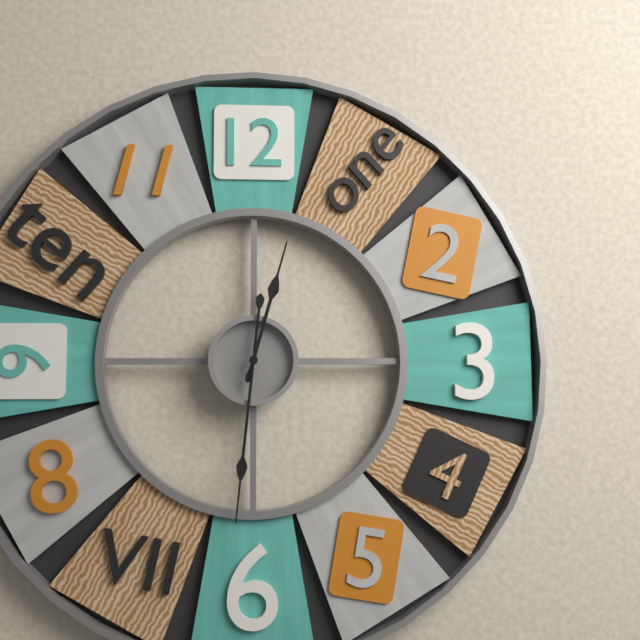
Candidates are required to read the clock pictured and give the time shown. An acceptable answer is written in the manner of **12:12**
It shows **12:31**
